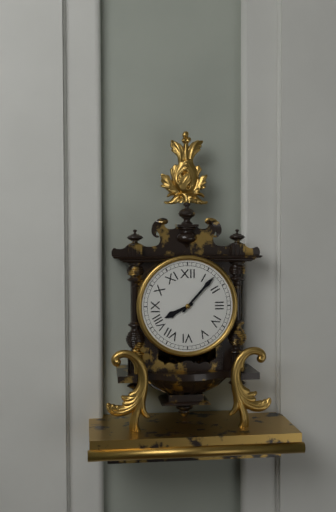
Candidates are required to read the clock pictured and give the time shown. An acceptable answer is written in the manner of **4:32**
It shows **8:07**
